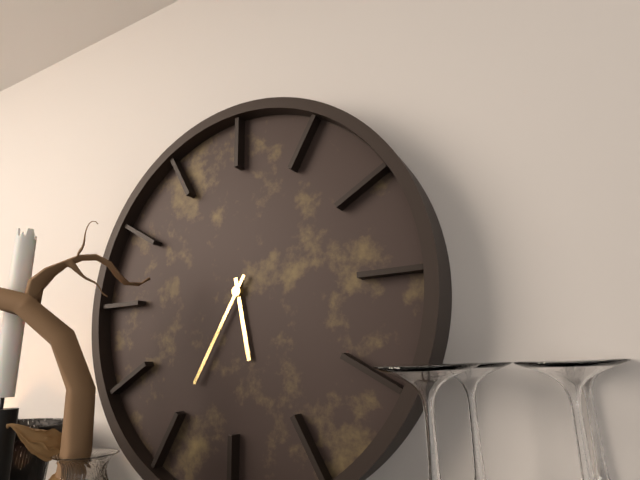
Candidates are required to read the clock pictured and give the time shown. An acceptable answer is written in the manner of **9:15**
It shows **5:35**
